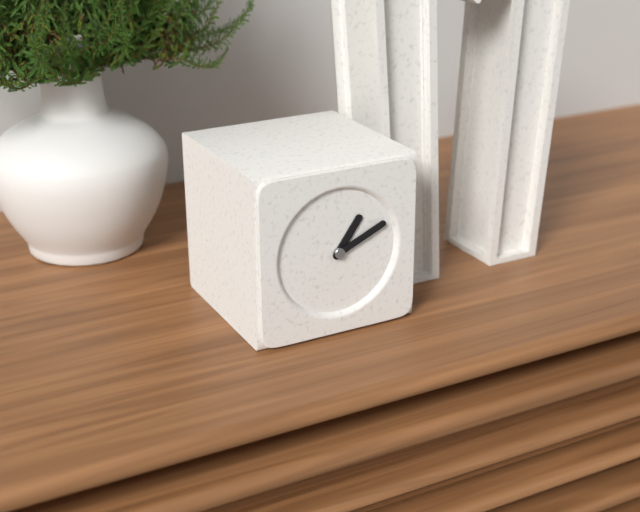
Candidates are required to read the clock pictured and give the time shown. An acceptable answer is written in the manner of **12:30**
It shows **1:11**
